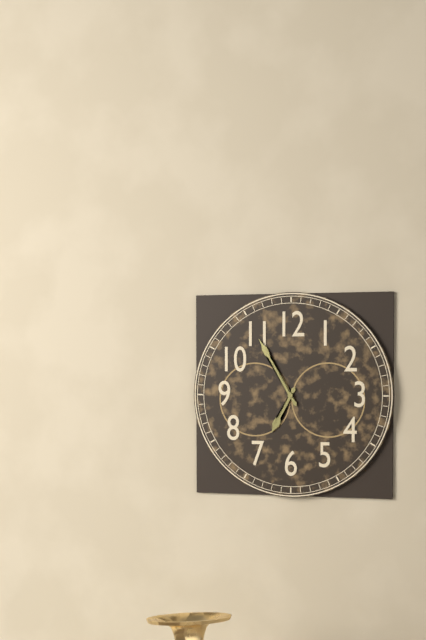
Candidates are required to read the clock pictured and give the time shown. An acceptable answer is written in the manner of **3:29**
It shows **6:55**
